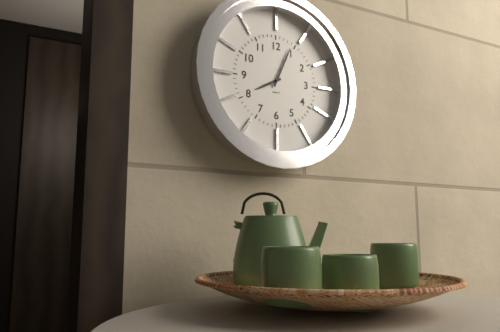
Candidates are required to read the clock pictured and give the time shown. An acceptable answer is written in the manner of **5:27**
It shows **8:04**
